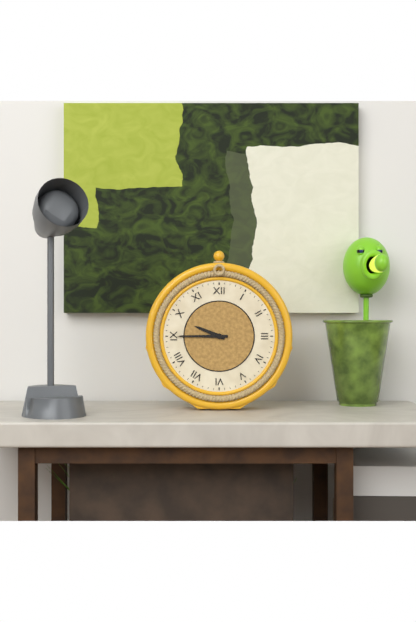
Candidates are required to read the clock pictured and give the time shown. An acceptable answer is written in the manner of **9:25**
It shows **9:45**
